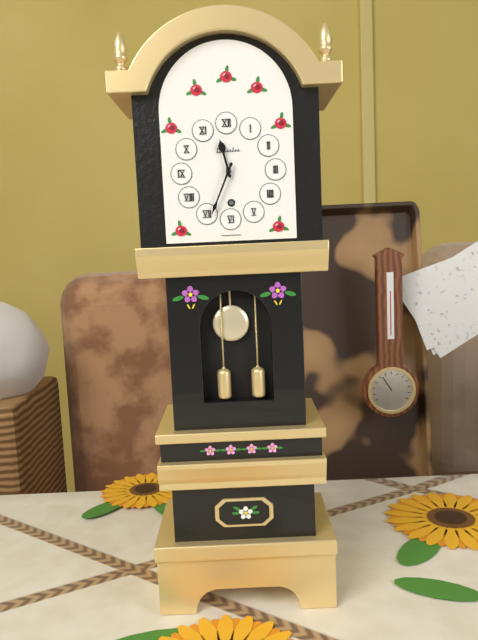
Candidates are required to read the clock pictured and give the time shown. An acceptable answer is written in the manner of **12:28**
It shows **11:34**
